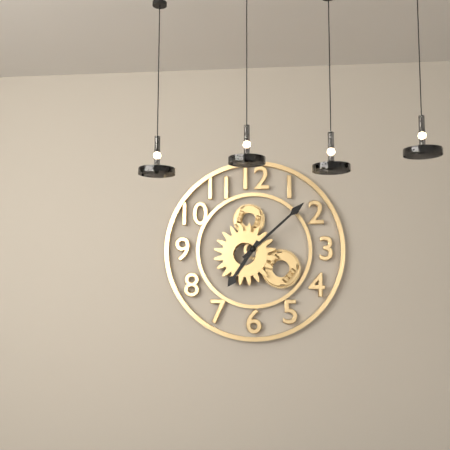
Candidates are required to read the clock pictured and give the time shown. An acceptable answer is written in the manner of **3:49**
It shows **7:08**
